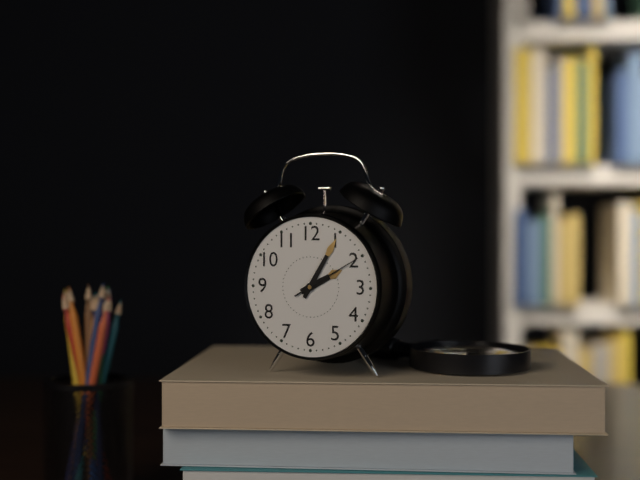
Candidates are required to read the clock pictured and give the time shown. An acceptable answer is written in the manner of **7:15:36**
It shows **2:05:10**
